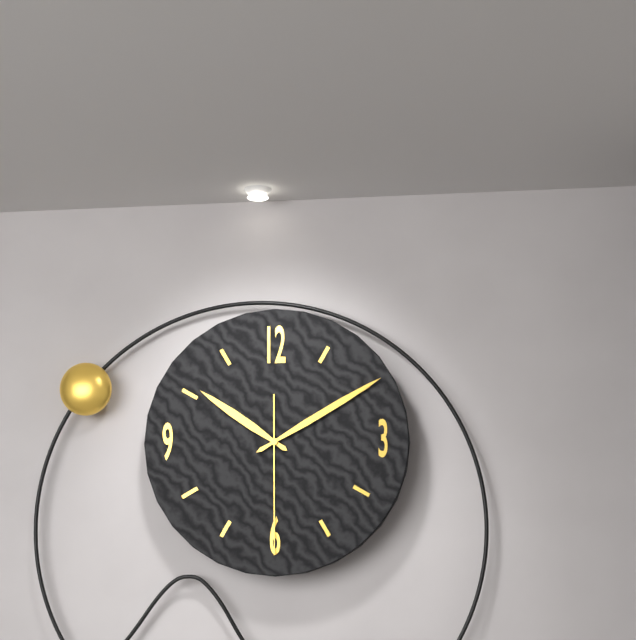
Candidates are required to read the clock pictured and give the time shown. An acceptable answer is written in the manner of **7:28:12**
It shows **10:10:30**
